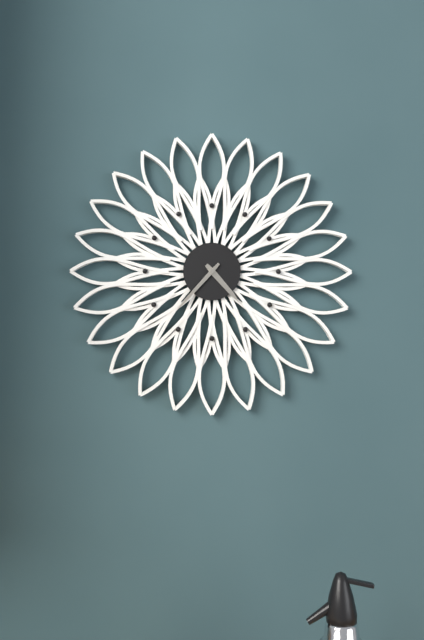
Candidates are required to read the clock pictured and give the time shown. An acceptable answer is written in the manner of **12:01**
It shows **4:37**
